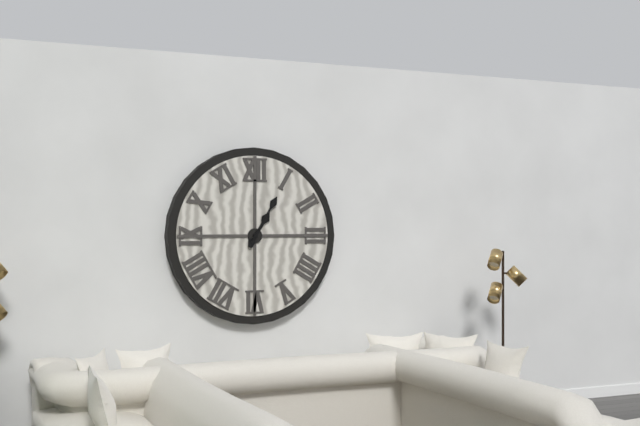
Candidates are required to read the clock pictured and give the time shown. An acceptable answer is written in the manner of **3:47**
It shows **1:05**
